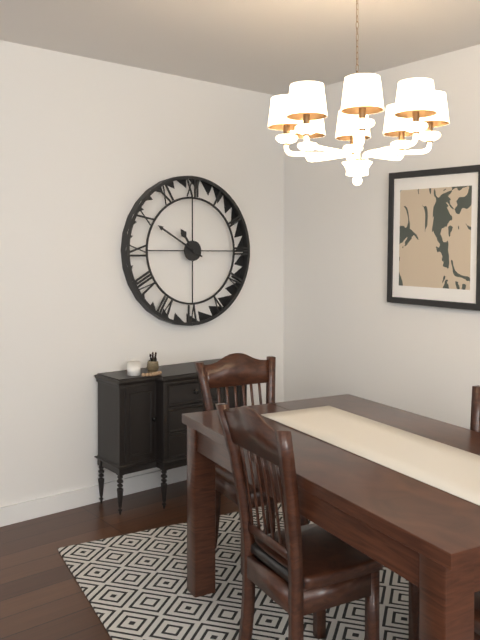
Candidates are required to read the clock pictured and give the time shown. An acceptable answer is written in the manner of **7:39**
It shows **10:50**
